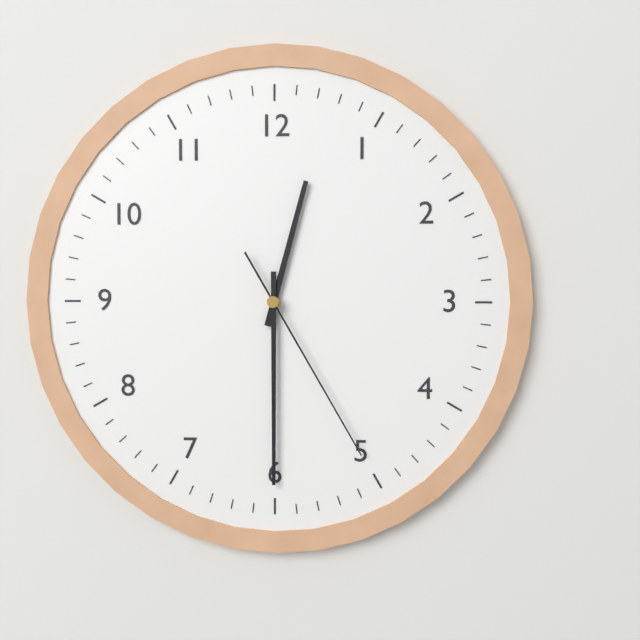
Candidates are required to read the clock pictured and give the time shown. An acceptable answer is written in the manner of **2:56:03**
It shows **12:30:25**
